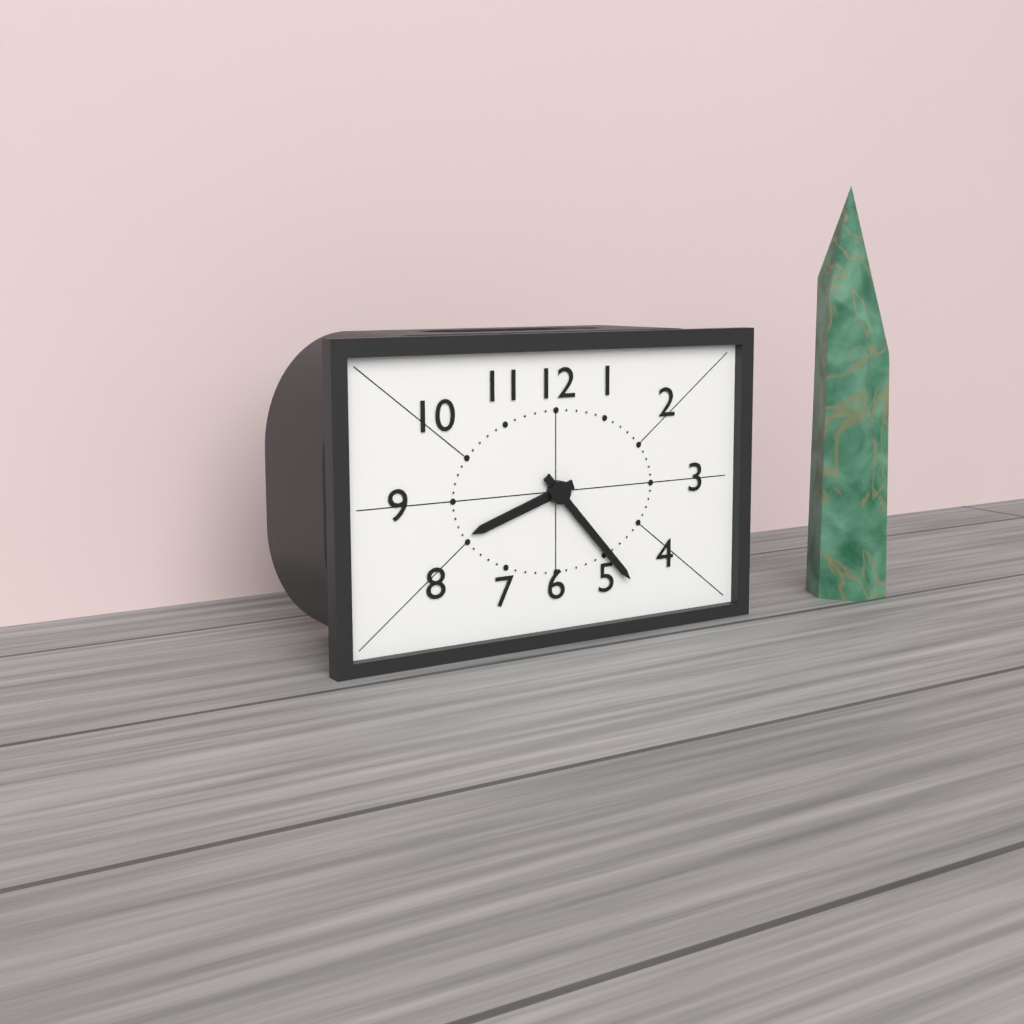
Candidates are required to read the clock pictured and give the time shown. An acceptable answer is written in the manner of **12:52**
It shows **8:23**
